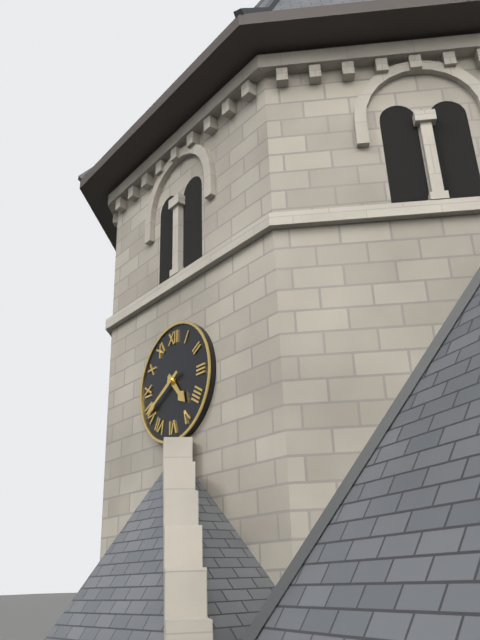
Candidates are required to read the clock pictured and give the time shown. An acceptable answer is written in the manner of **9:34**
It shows **4:40**
